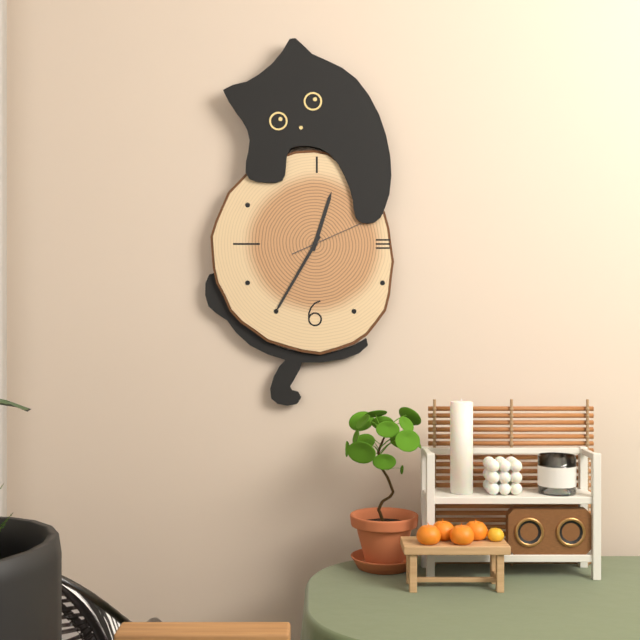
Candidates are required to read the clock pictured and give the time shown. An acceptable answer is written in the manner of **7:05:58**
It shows **12:35:11**
